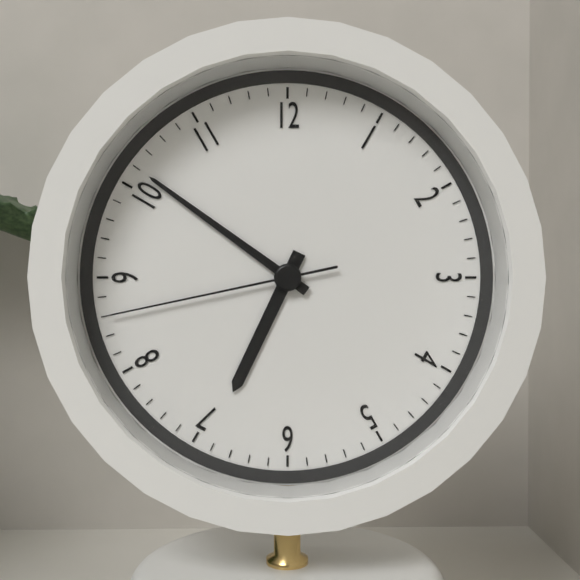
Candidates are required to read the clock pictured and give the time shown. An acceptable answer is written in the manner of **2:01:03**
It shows **6:51:43**
